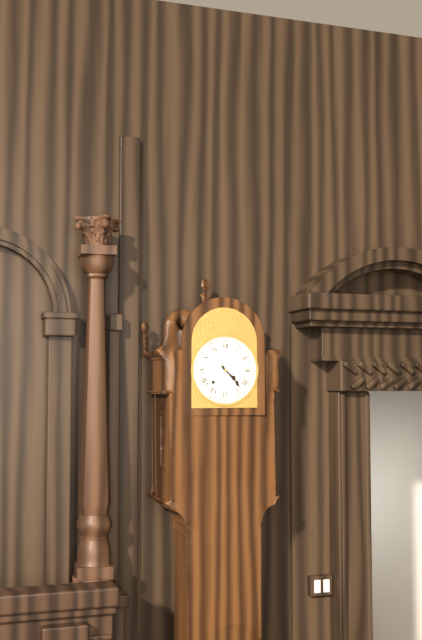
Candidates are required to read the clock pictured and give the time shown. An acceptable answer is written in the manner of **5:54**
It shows **4:23**
